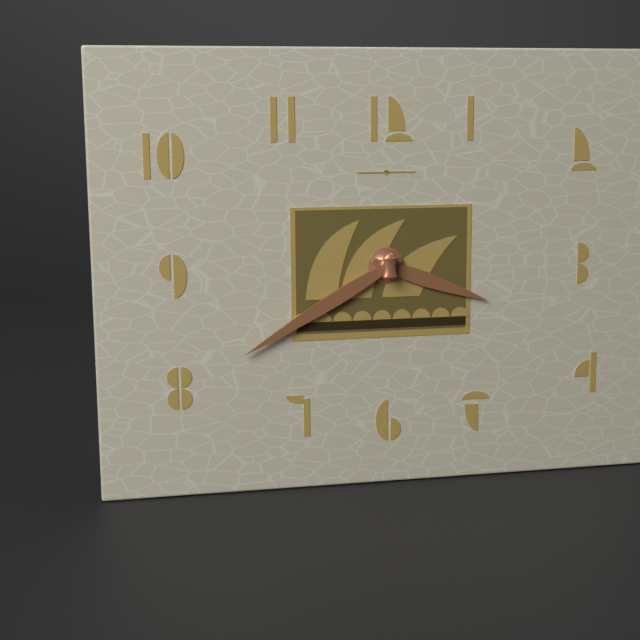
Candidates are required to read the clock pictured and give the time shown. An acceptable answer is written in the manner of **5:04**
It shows **3:40**
